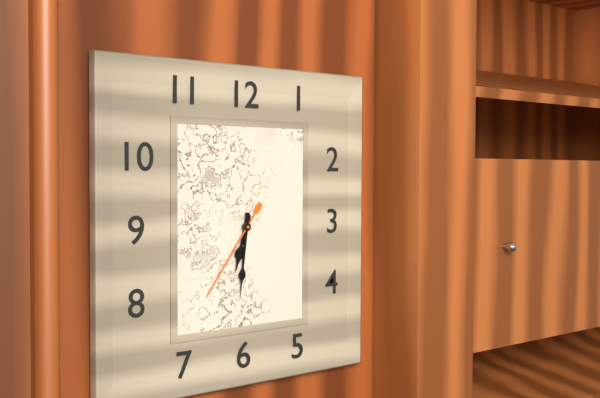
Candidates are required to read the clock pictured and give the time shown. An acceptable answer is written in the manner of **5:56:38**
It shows **6:31:36**
